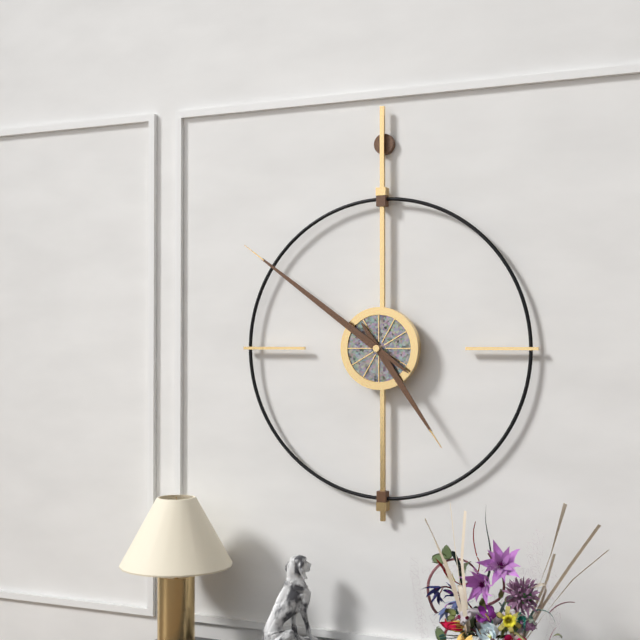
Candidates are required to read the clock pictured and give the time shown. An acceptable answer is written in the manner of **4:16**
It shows **4:51**
